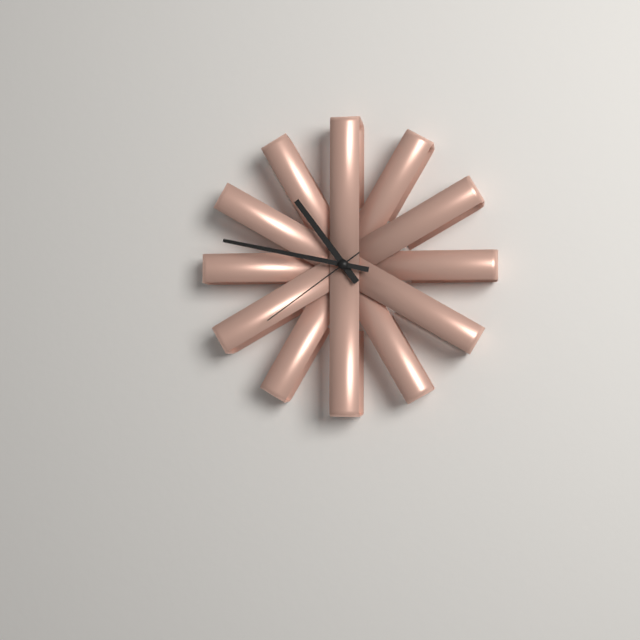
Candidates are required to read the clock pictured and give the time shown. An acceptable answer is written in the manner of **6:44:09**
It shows **10:47:39**
